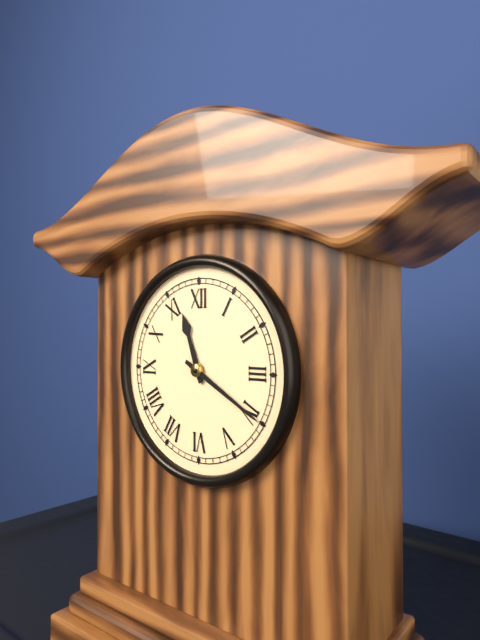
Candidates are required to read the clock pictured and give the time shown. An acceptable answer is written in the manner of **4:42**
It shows **11:20**
